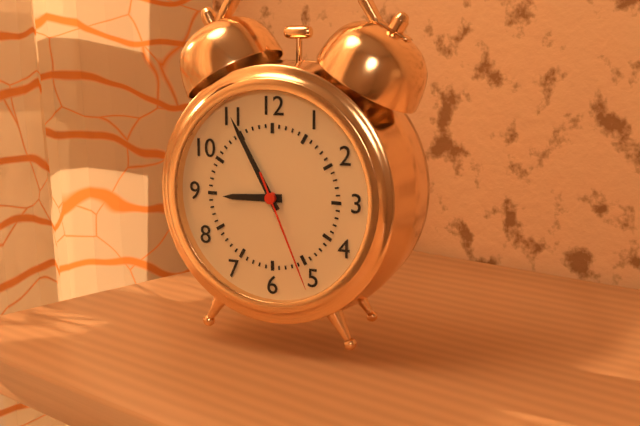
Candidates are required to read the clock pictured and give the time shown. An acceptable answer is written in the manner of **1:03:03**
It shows **8:55:26**
